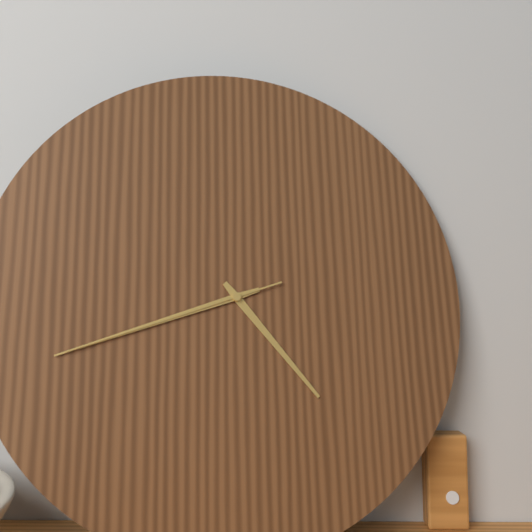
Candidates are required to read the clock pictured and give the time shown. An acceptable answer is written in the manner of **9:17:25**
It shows **4:42:42**
